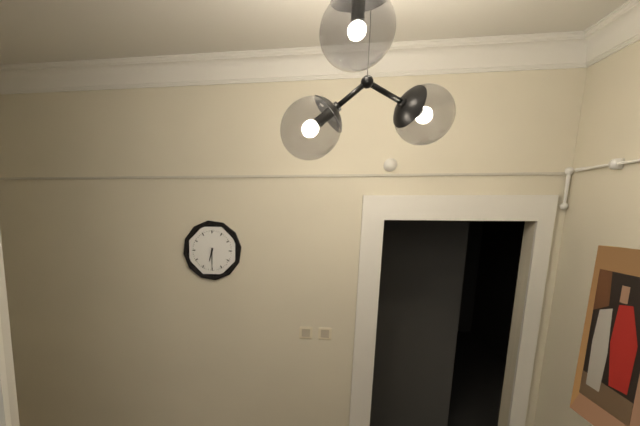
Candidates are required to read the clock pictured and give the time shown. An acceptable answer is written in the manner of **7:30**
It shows **6:30**
